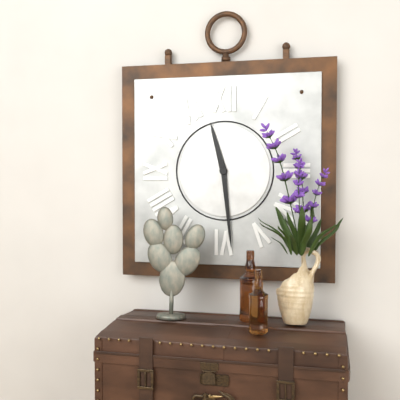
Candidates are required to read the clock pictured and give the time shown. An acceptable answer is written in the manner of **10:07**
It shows **11:29**
